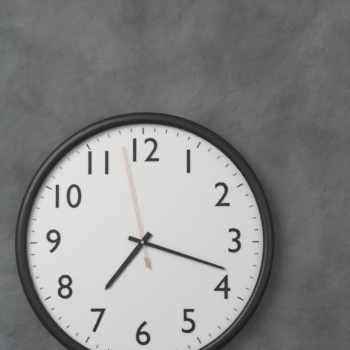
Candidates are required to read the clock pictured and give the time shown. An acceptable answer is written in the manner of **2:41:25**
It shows **7:18:58**
